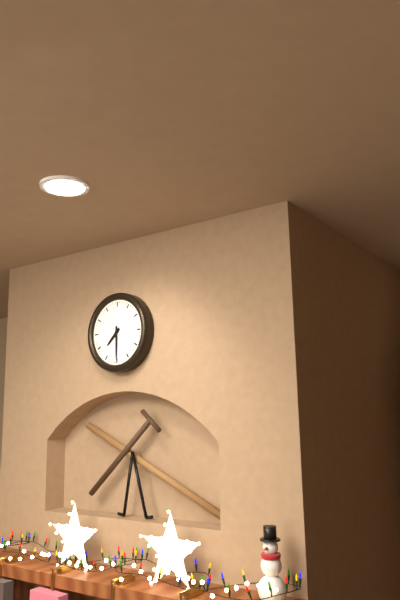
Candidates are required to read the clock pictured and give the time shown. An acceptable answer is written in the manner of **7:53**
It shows **7:30**
